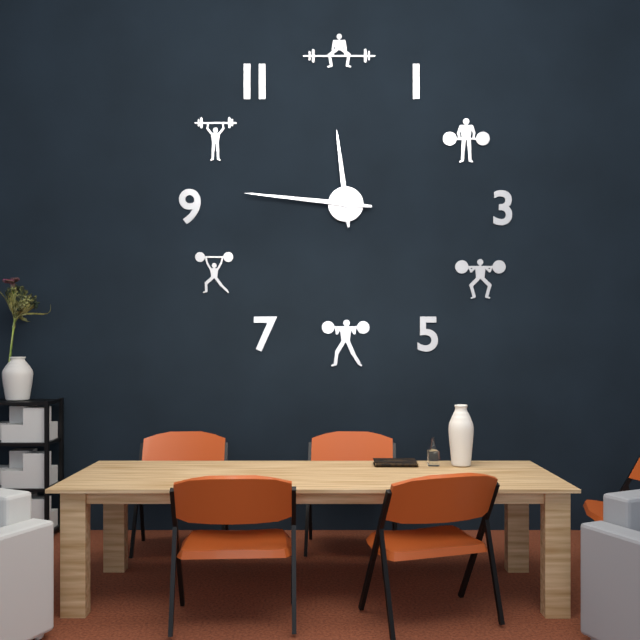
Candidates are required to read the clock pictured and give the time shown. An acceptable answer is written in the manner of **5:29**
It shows **11:46**
